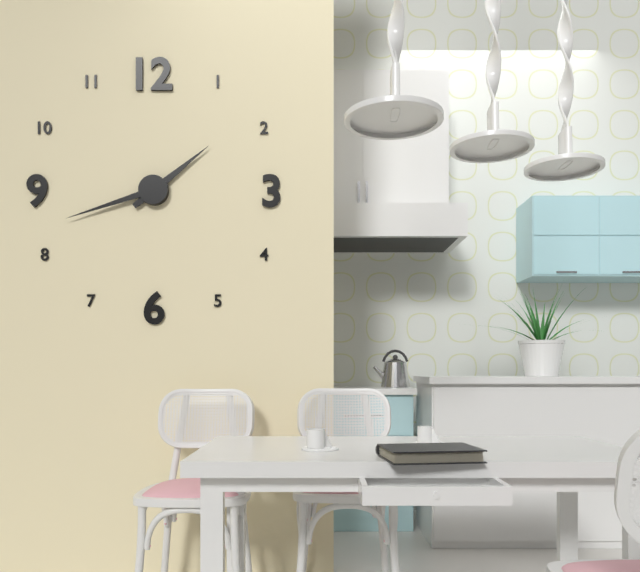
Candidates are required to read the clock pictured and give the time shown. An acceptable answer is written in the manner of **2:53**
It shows **1:42**
